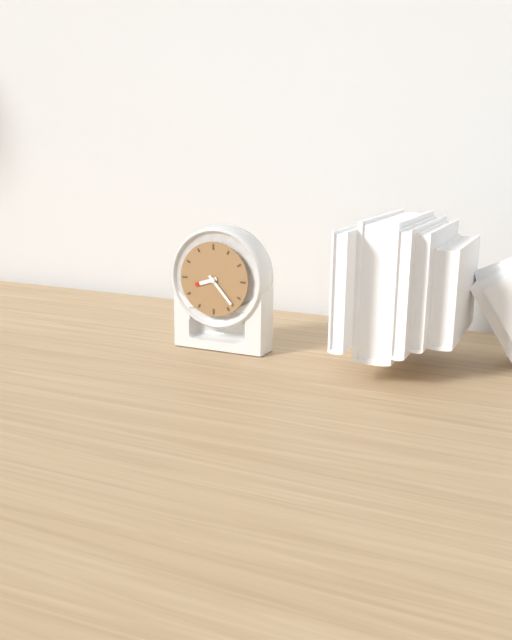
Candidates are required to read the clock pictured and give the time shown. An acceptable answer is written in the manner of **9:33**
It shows **8:23**
